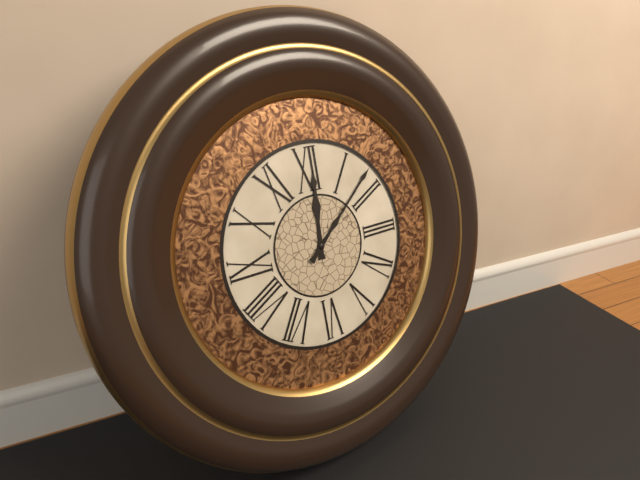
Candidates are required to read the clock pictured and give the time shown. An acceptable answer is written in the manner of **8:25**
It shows **12:08**
